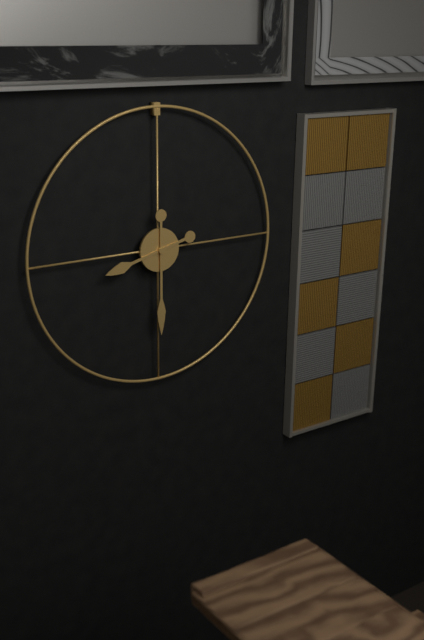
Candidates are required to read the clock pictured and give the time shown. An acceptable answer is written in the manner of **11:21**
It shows **8:30**
